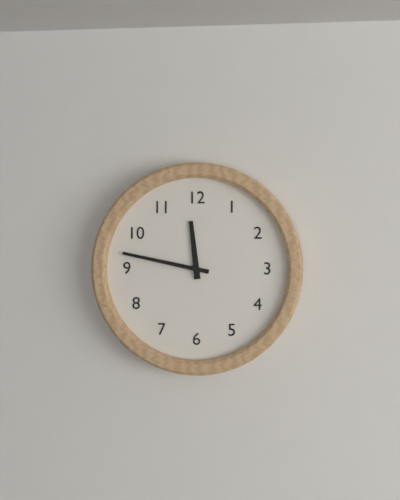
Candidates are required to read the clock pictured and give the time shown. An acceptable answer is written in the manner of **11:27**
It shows **11:47**
